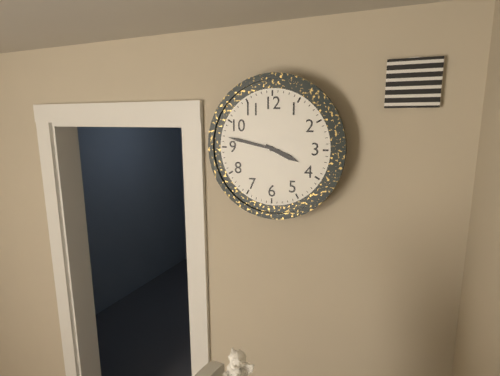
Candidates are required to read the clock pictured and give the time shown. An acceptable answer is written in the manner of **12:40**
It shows **3:47**
